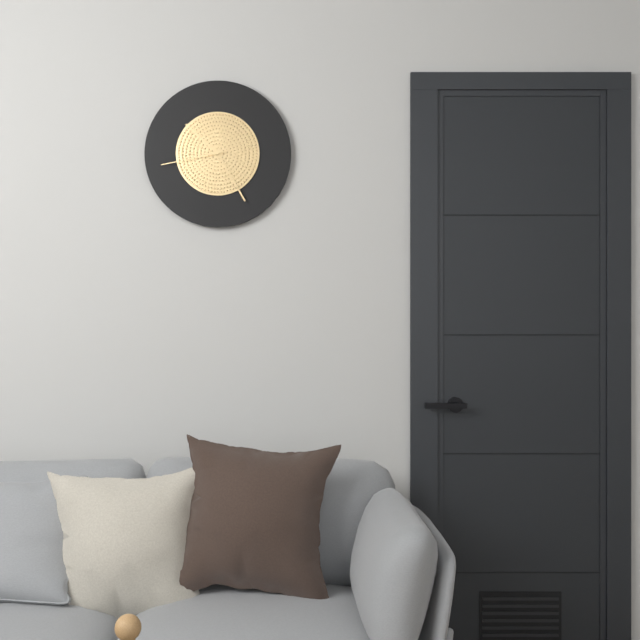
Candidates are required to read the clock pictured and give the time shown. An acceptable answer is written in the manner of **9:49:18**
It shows **10:25:43**
